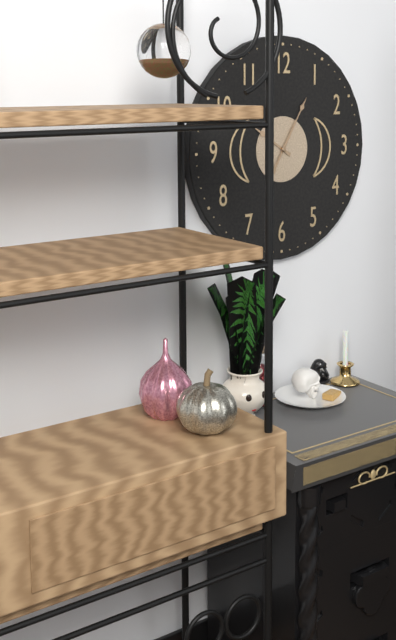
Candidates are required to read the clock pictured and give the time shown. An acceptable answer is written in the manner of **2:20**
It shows **10:05**
